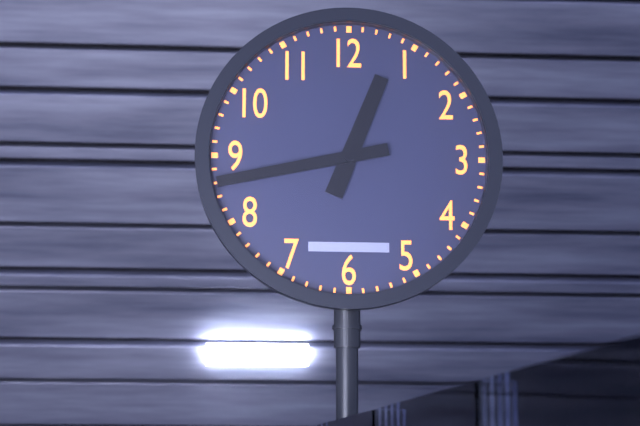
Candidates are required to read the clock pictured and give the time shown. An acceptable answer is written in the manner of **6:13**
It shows **12:43**
